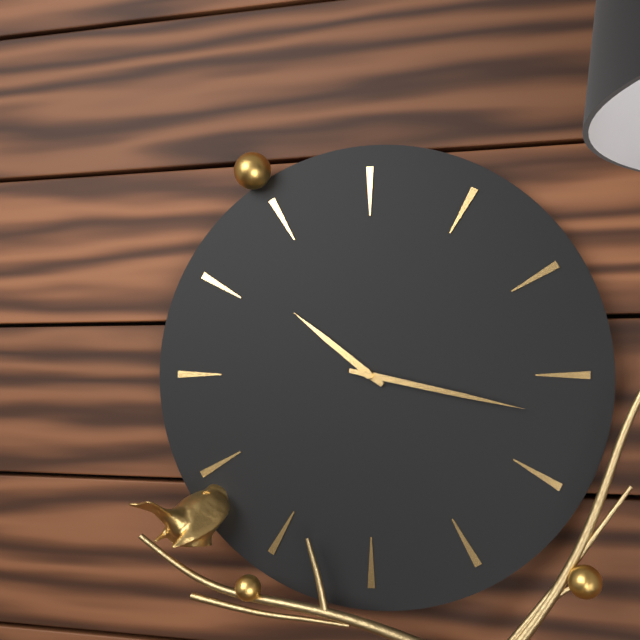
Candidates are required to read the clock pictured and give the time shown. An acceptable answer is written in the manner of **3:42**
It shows **10:17**
